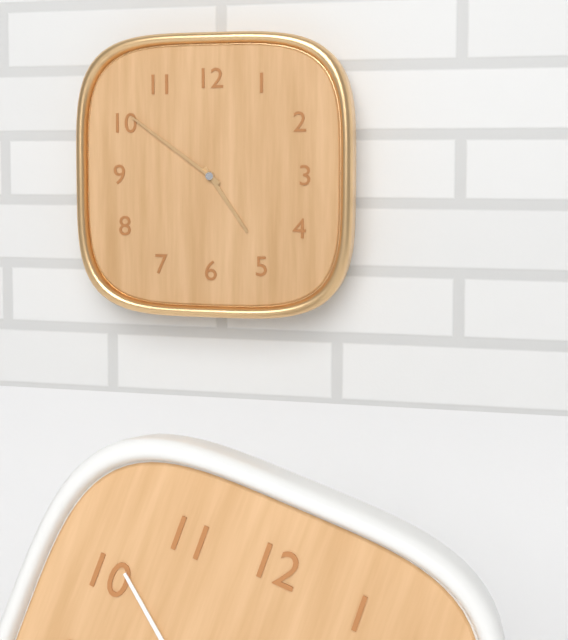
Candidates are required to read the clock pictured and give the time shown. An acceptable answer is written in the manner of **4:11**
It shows **4:51**
